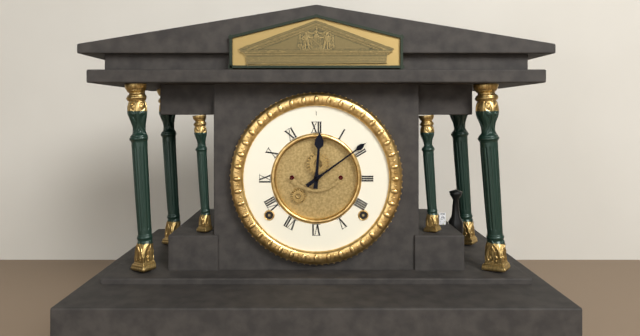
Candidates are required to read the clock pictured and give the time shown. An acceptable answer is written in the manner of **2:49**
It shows **12:09**
